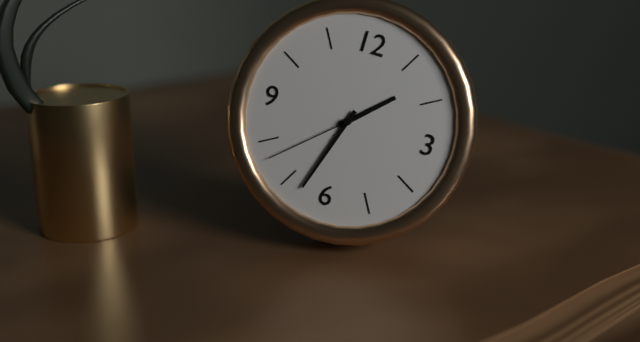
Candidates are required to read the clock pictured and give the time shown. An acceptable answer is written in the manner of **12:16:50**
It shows **1:33:38**
